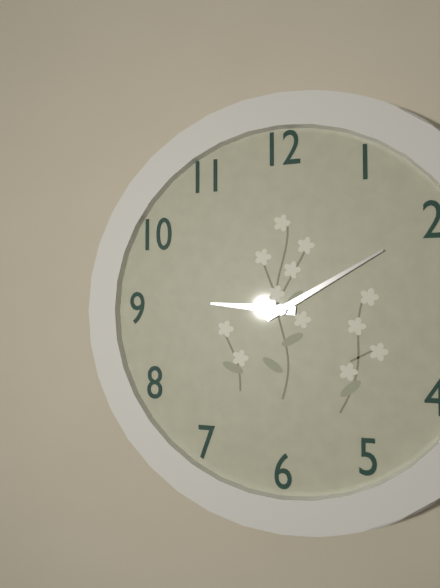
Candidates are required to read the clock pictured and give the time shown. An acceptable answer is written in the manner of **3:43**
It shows **9:10**
